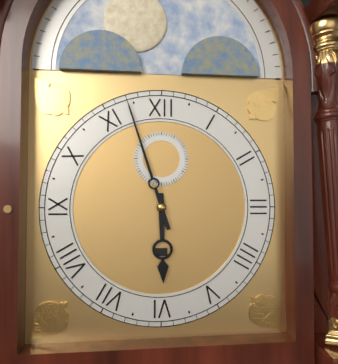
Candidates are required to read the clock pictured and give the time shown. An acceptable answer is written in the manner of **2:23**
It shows **5:57**
